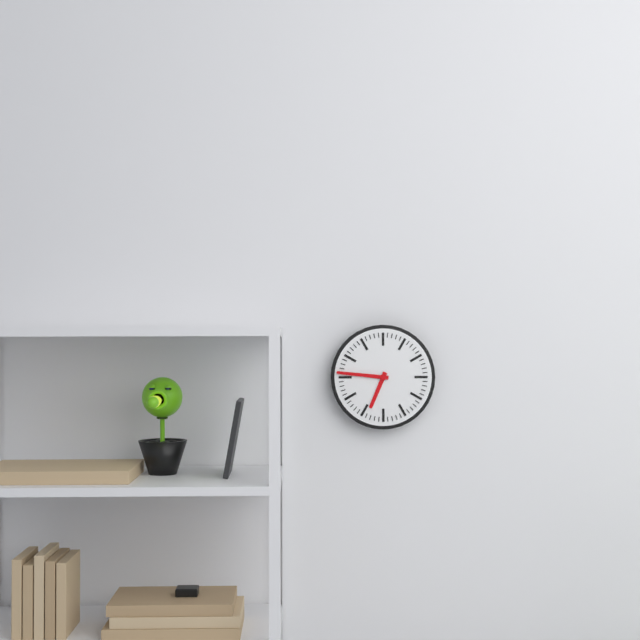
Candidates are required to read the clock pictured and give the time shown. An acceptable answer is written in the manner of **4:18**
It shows **6:46**
